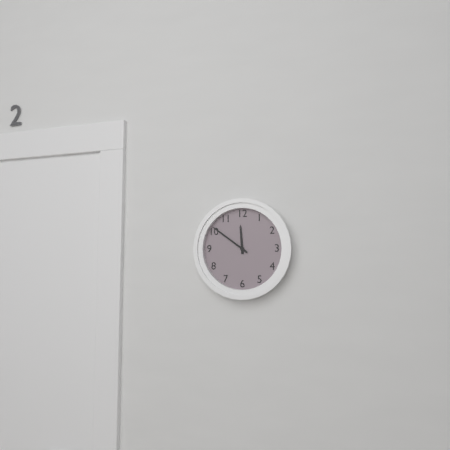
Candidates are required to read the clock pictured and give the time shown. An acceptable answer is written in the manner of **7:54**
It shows **11:51**
